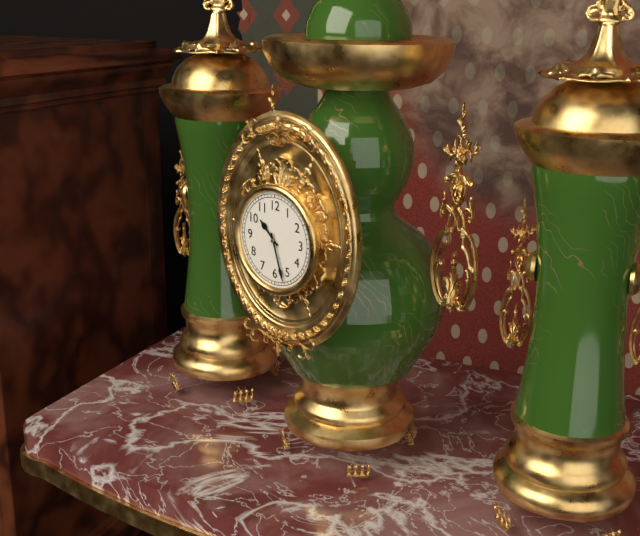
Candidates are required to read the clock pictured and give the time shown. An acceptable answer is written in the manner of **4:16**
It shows **10:27**
